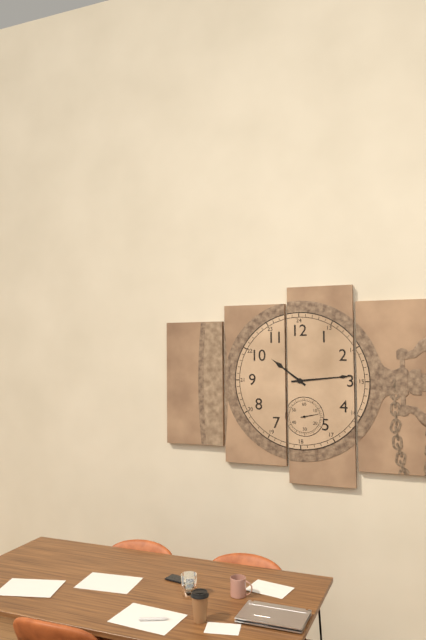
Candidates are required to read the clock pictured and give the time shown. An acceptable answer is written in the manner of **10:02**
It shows **10:14**
